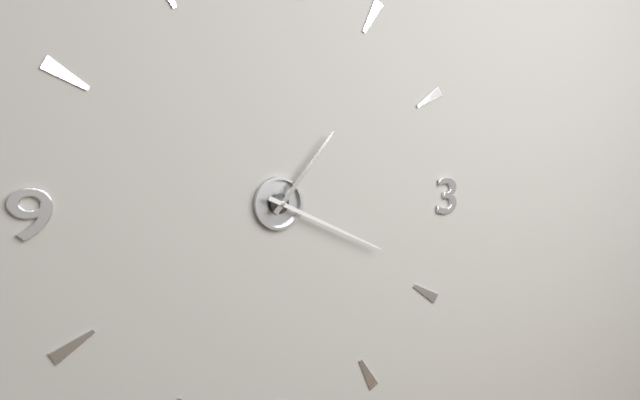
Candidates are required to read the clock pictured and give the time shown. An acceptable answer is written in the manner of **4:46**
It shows **1:19**
